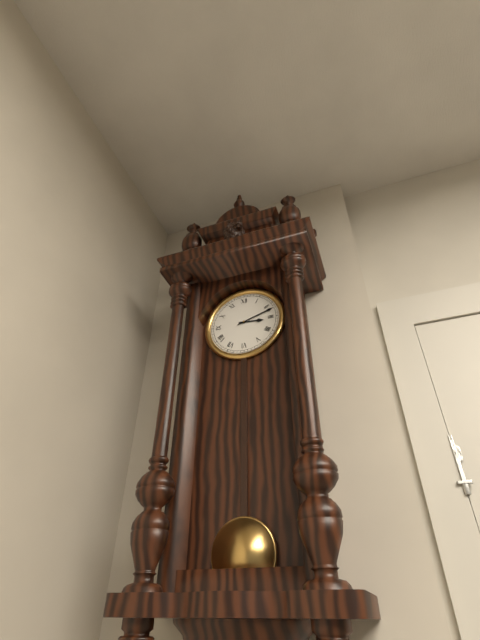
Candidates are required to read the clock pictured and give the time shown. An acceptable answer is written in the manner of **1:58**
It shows **3:12**
